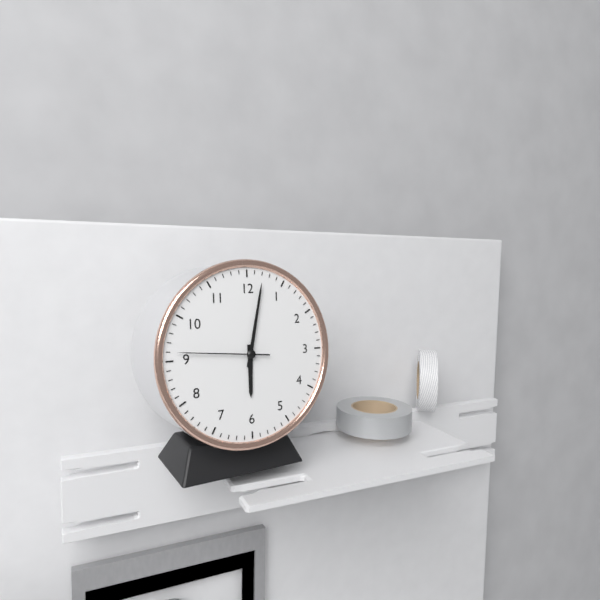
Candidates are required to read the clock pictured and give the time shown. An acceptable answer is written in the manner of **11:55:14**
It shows **6:02:46**
